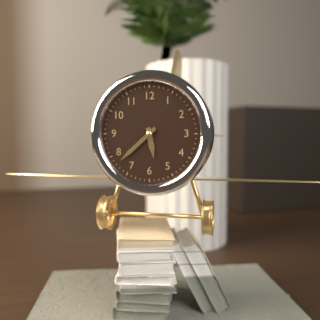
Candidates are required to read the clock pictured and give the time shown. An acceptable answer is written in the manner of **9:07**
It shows **5:38**
